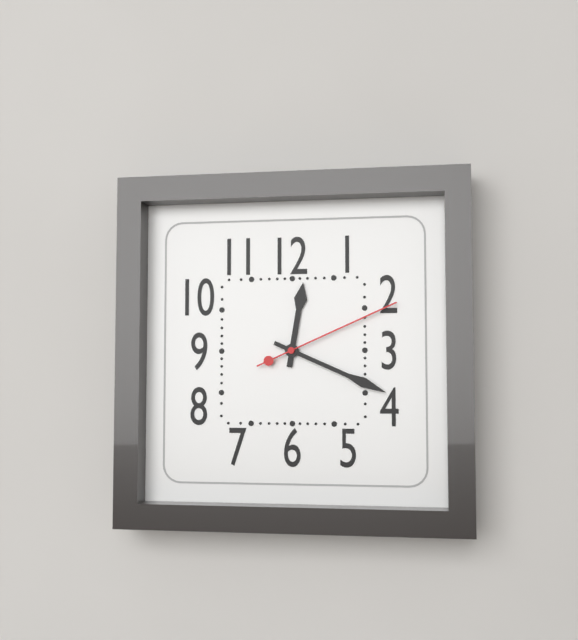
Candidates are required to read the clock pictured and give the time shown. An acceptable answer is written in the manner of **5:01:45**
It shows **12:19:11**
